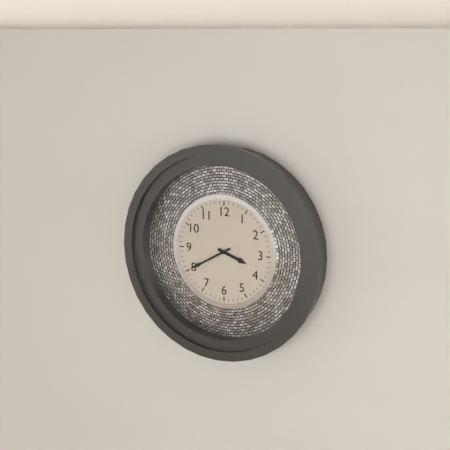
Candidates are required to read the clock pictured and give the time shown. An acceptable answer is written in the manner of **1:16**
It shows **3:40**
